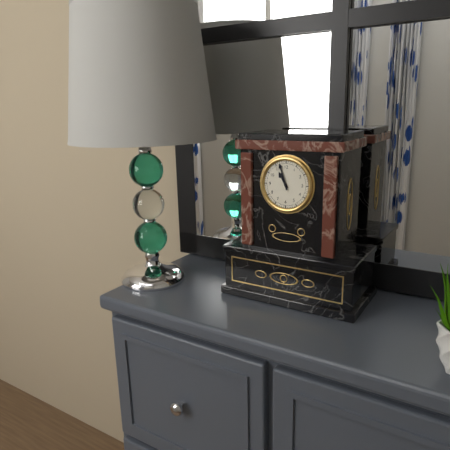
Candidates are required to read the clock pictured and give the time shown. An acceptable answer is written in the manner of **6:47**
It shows **10:57**
